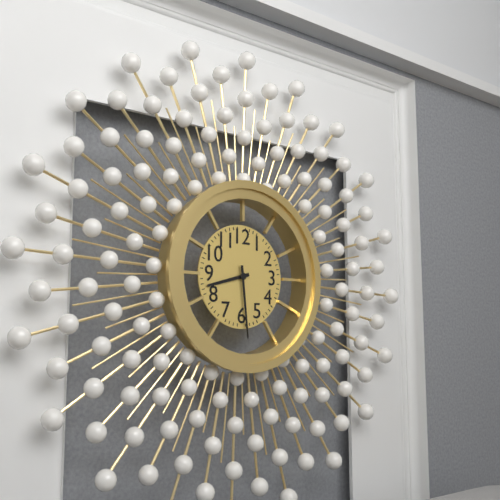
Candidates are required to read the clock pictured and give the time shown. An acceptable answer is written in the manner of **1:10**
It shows **8:29**
